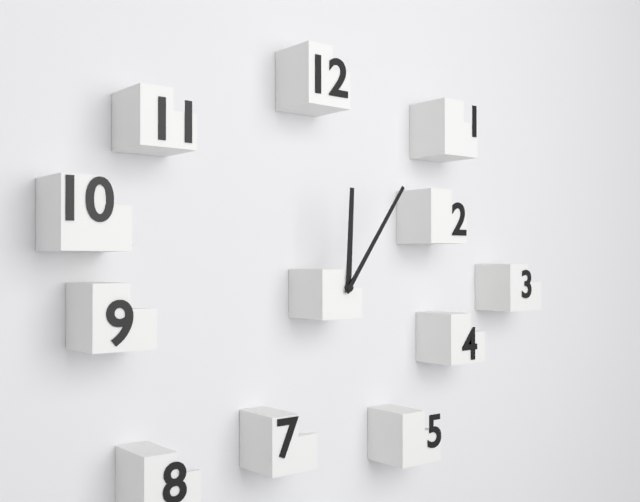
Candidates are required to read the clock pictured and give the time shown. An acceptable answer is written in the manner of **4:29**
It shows **12:06**
